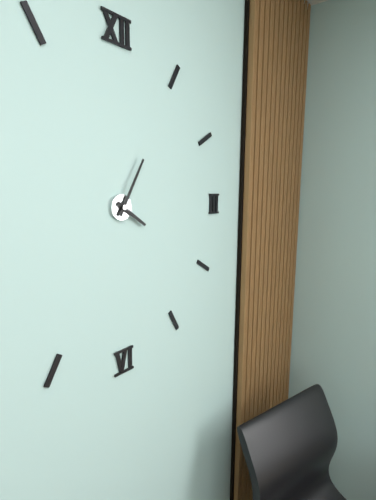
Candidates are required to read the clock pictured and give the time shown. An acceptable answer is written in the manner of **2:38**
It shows **4:05**
